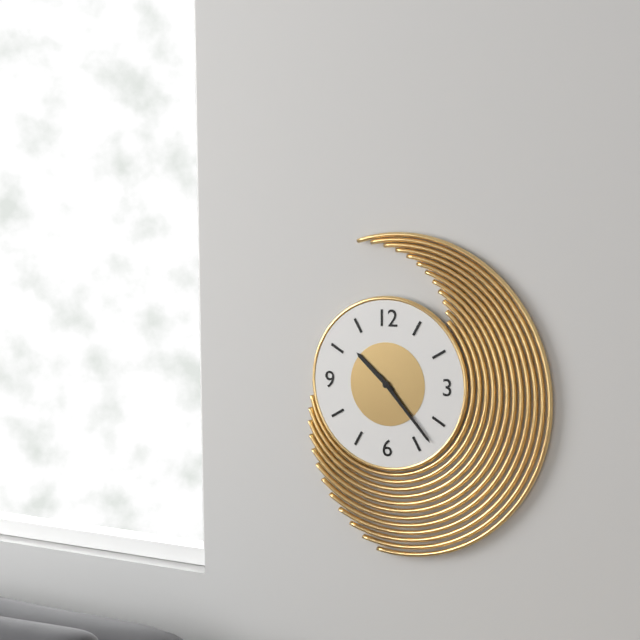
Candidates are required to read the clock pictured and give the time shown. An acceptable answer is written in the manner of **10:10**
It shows **10:23**
